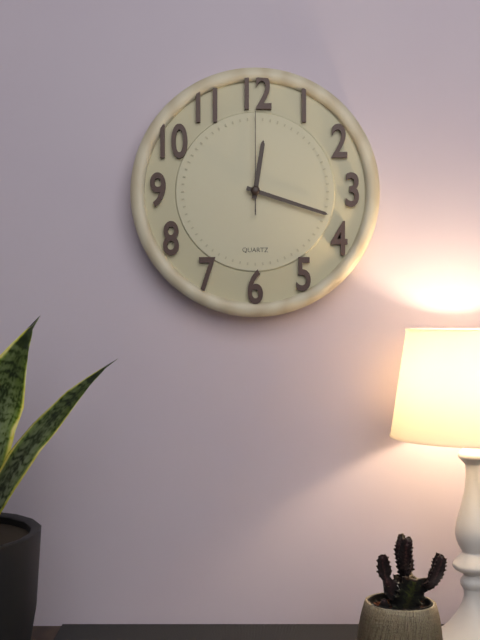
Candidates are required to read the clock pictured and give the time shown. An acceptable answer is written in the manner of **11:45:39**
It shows **12:18:00**
